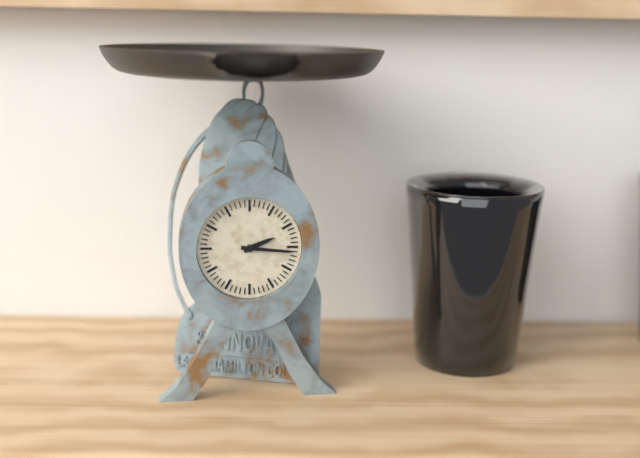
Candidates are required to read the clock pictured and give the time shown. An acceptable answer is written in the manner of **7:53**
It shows **2:16**
